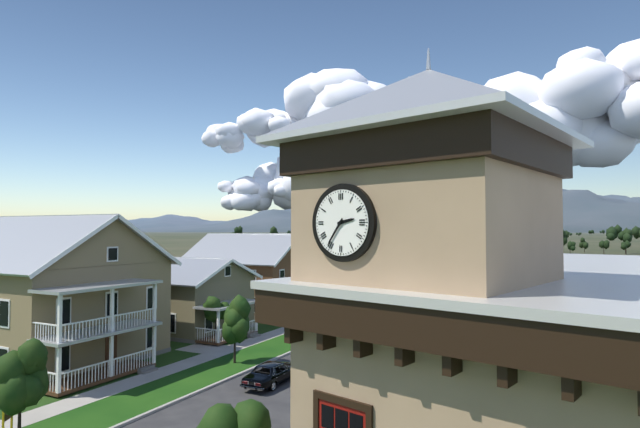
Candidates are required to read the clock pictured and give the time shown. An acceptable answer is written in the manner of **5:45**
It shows **2:36**
